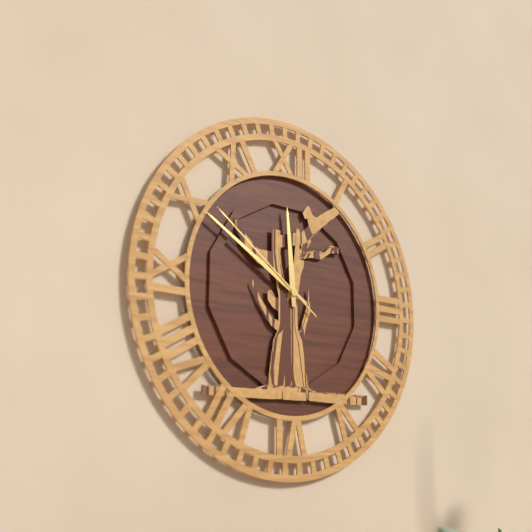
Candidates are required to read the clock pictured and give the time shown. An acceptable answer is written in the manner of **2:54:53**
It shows **11:50:51**
